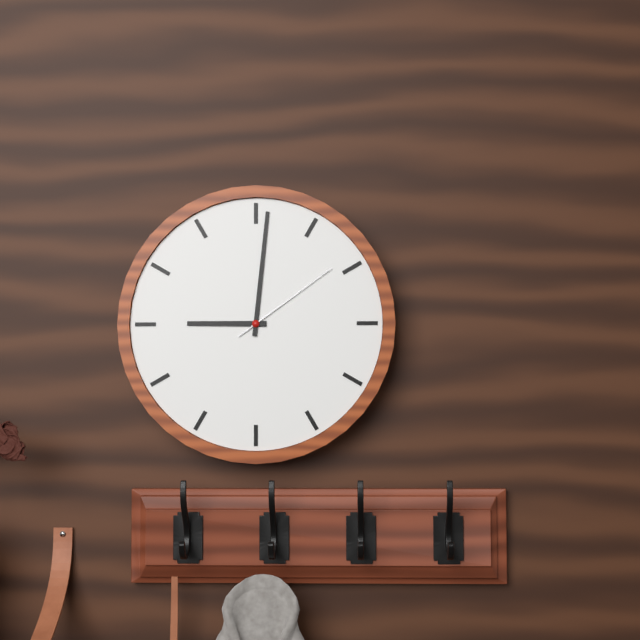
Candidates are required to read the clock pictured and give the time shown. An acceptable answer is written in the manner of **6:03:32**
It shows **9:01:09**
